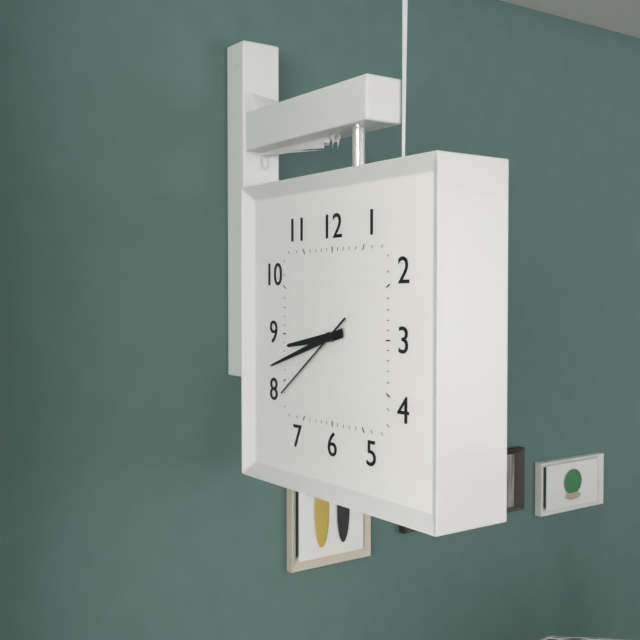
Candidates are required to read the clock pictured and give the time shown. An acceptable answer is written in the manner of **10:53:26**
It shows **8:42:39**
